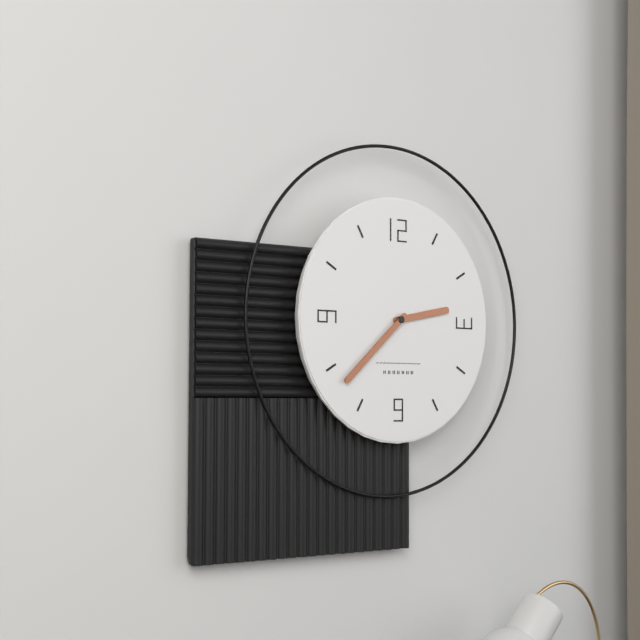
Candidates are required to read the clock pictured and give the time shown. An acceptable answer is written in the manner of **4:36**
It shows **2:38**
